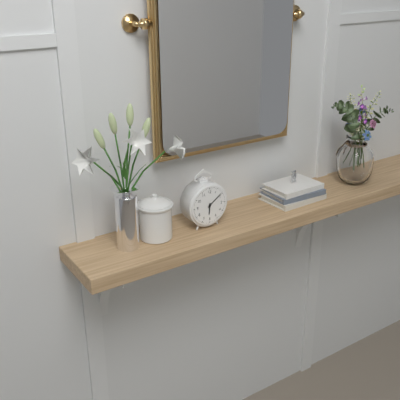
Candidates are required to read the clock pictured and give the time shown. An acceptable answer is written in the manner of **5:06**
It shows **6:09**
